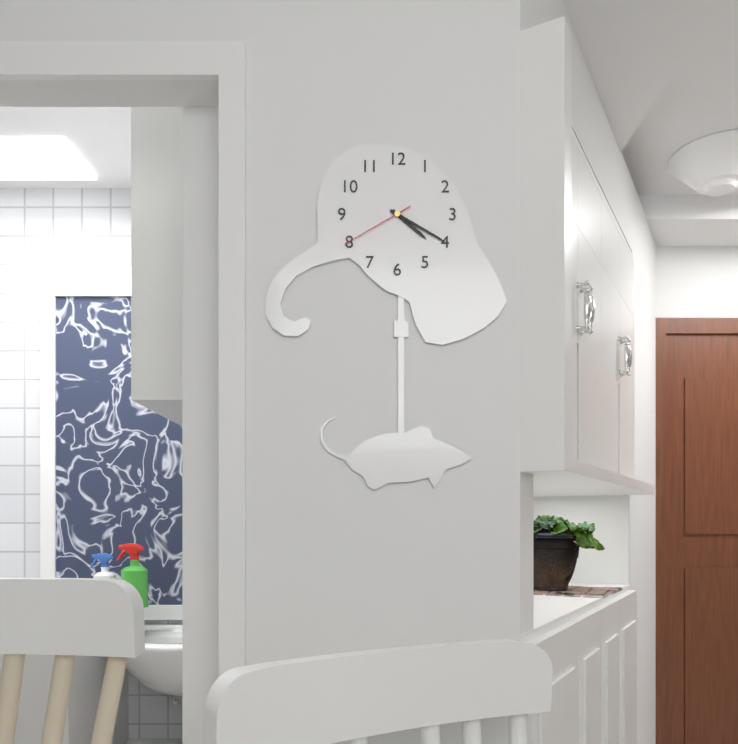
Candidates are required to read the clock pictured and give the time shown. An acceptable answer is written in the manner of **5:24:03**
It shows **4:20:40**
